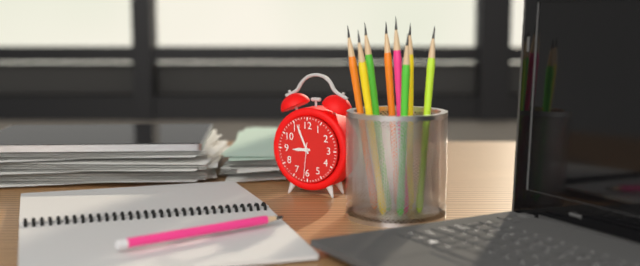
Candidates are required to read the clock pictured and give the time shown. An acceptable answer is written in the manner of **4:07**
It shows **8:56**
